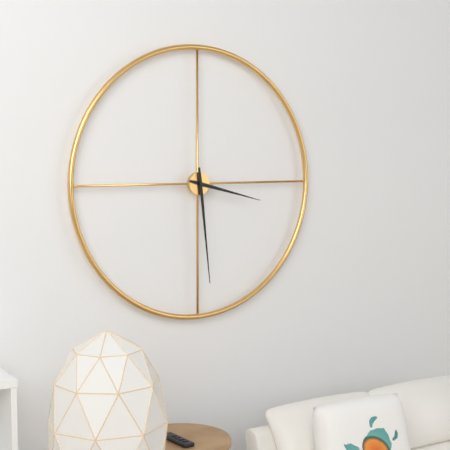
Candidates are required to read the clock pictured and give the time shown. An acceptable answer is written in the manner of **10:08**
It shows **3:29**
